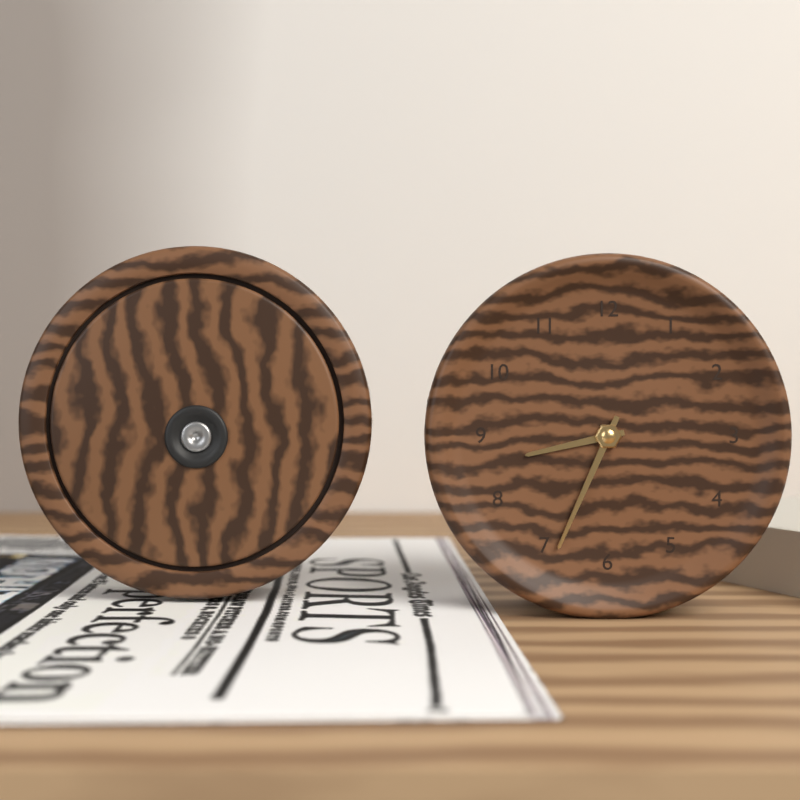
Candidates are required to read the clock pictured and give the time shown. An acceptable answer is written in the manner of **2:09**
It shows **8:34**
